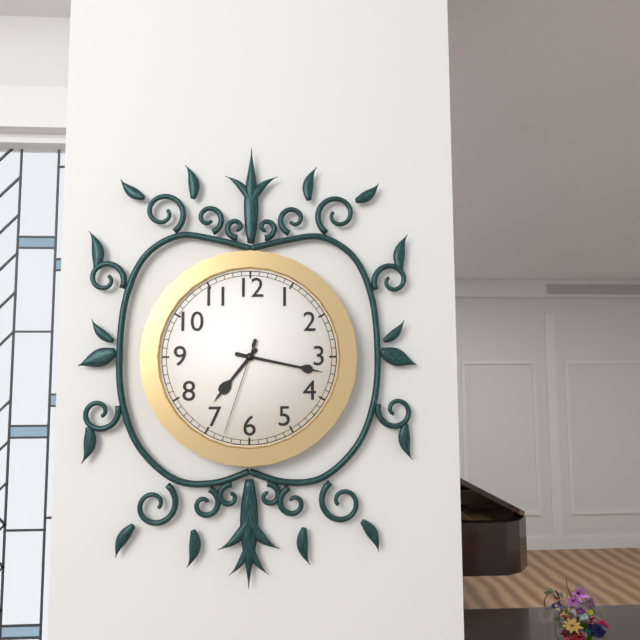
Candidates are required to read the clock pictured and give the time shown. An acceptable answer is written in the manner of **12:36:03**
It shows **7:17:33**
